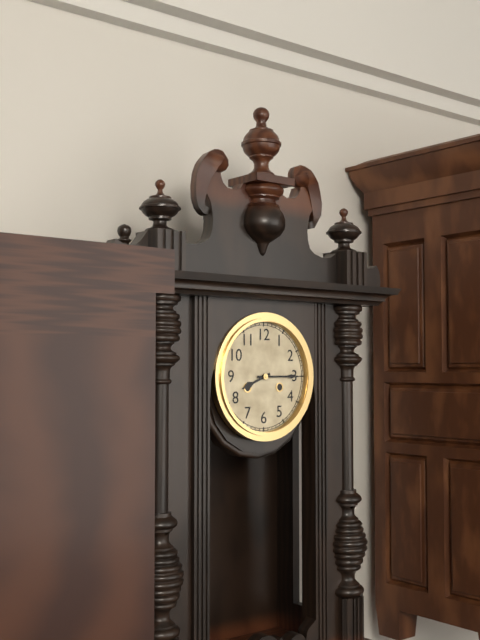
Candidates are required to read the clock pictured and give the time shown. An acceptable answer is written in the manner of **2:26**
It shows **8:15**
